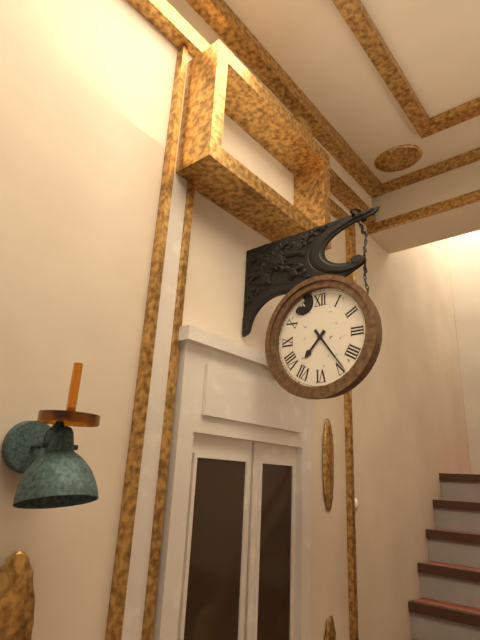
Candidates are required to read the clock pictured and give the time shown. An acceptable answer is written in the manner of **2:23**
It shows **7:24**
